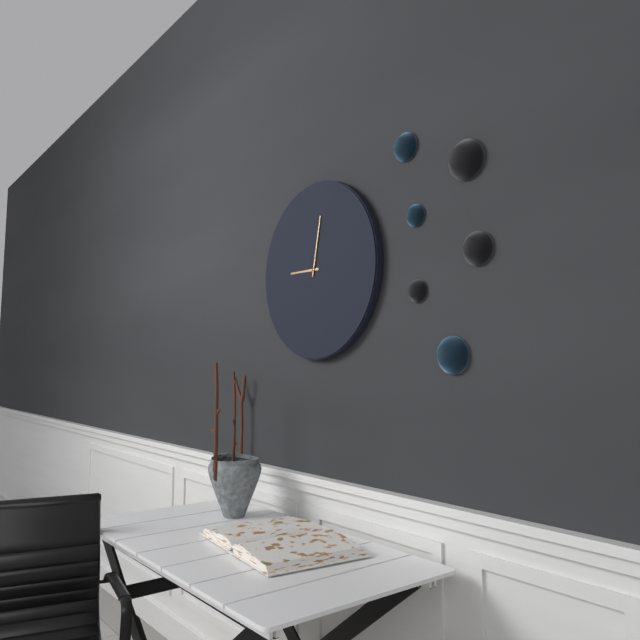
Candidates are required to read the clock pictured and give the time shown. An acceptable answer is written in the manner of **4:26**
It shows **9:02**
